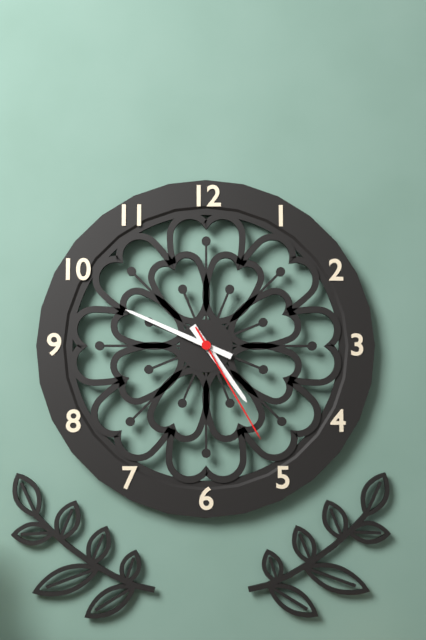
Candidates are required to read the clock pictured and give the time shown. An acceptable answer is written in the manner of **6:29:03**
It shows **4:49:25**
